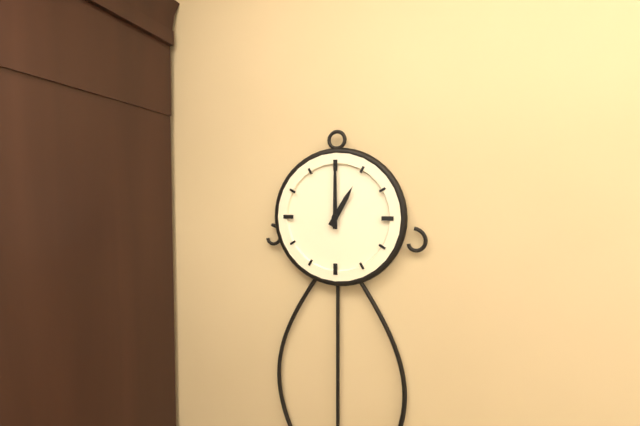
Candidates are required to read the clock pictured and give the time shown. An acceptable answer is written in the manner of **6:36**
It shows **1:00**
